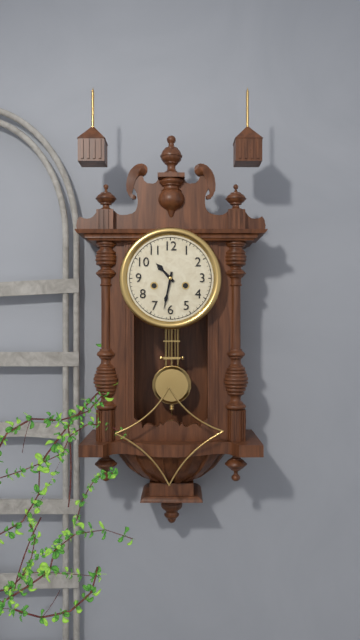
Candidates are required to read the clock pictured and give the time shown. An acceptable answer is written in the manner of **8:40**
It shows **10:32**
